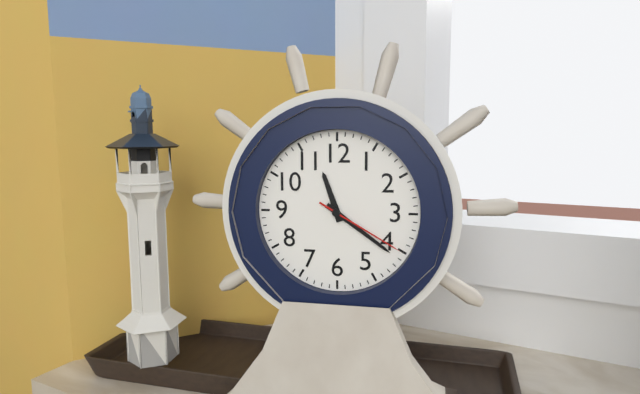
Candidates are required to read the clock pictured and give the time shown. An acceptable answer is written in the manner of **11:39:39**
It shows **11:21:20**
